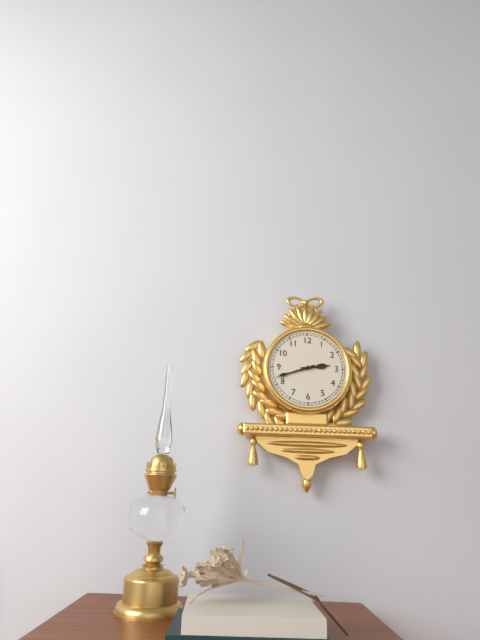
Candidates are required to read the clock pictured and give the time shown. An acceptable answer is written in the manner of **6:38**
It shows **2:42**
